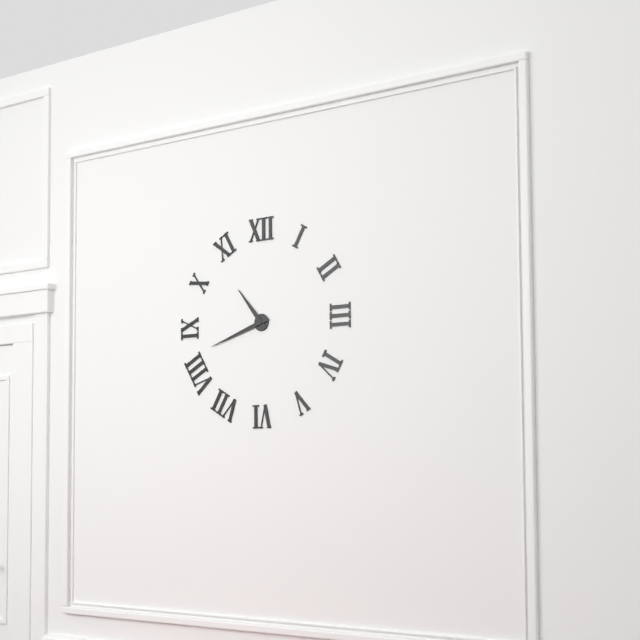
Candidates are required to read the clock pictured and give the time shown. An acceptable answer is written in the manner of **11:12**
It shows **10:42**
